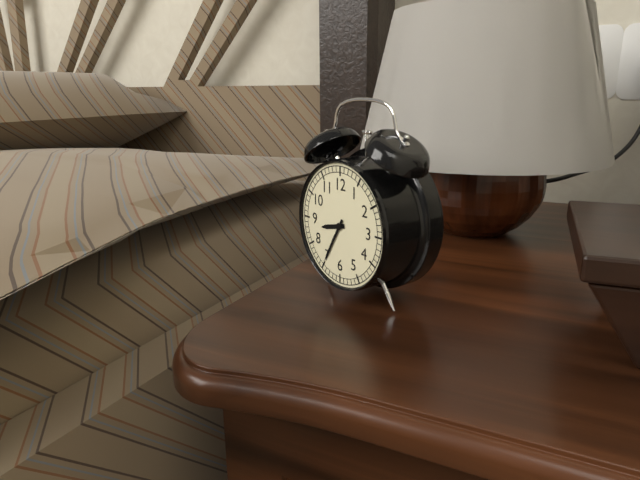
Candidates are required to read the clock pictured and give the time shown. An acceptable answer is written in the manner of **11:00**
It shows **8:35**
